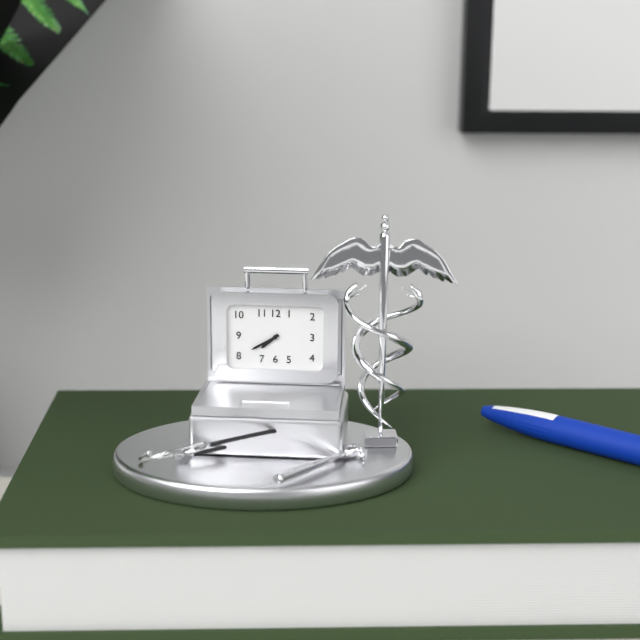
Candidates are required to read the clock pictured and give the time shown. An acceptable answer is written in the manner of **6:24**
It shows **7:40**
